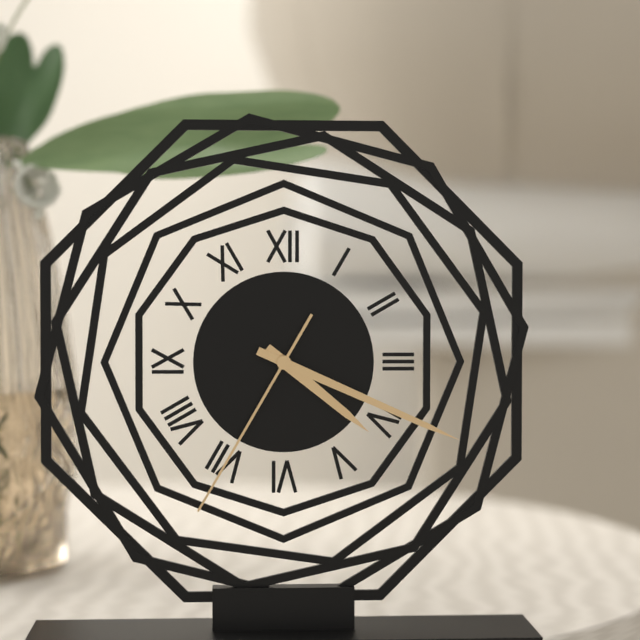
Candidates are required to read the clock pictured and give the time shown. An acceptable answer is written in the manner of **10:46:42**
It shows **4:19:35**
